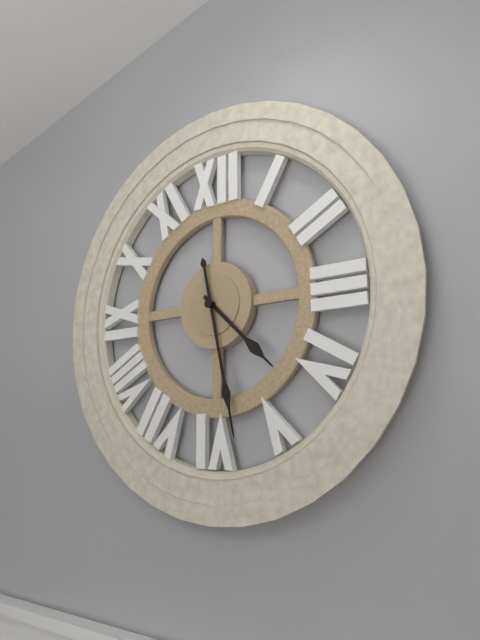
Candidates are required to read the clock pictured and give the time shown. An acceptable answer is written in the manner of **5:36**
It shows **4:28**
